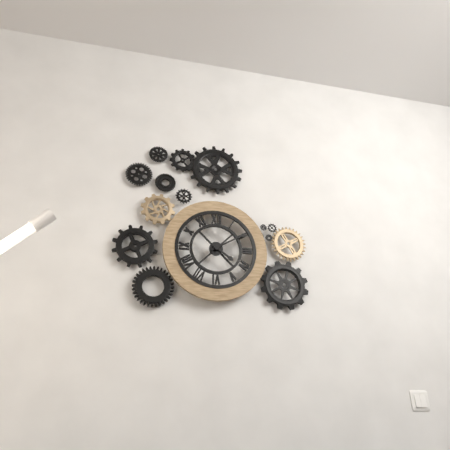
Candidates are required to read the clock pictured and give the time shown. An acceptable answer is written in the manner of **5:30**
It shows **4:10**
